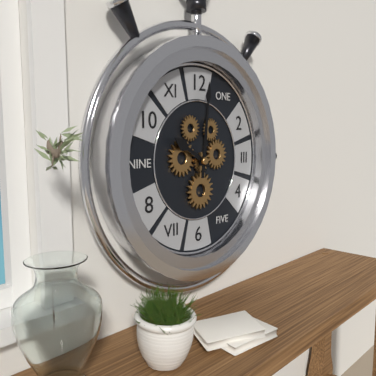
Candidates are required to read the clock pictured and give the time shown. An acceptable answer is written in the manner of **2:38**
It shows **10:01**
